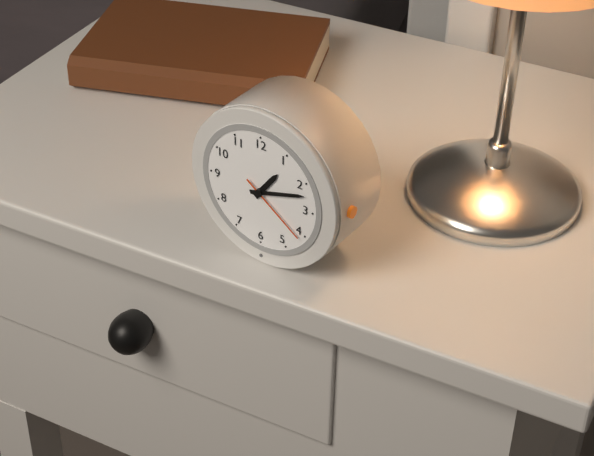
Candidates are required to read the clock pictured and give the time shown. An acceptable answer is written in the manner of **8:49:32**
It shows **1:12:21**
